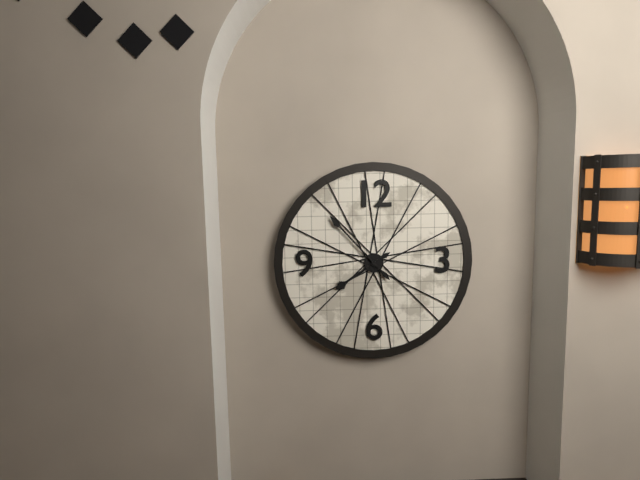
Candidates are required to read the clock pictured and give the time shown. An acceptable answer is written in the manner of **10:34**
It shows **7:53**
